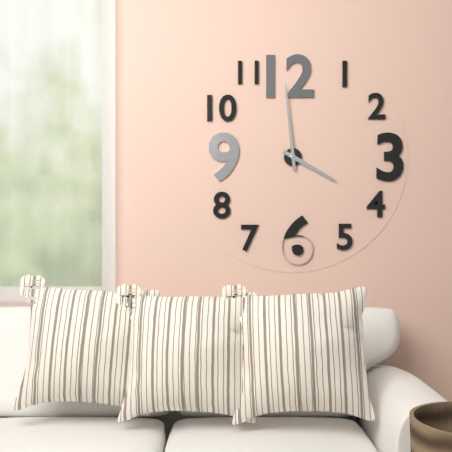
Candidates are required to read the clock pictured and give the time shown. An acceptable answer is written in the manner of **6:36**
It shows **3:59**
